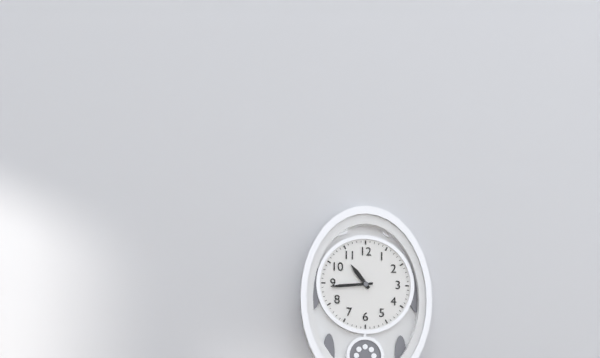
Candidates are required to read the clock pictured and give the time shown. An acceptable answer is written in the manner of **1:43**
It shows **10:44**
